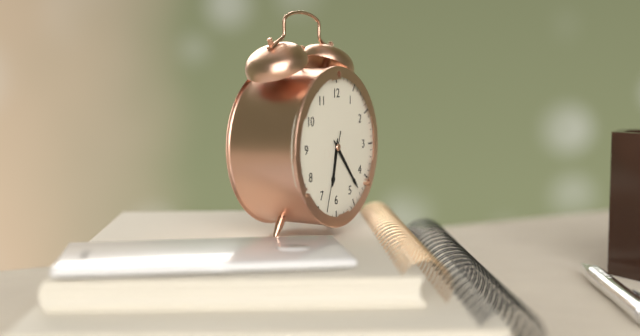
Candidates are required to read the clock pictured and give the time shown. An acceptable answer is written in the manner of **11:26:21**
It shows **6:23:33**
